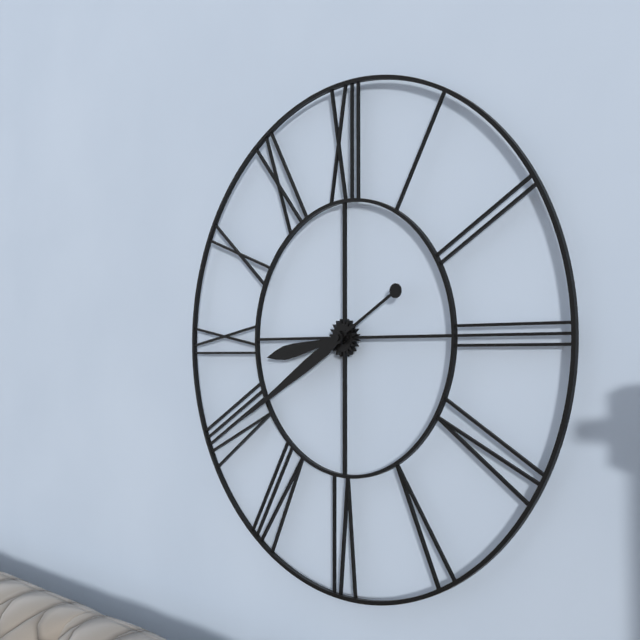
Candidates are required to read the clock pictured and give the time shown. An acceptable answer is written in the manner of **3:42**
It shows **8:40**
